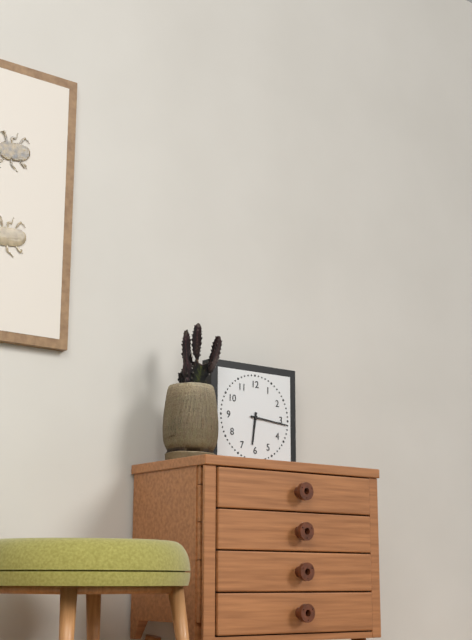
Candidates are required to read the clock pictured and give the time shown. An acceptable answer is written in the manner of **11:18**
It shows **6:16**
